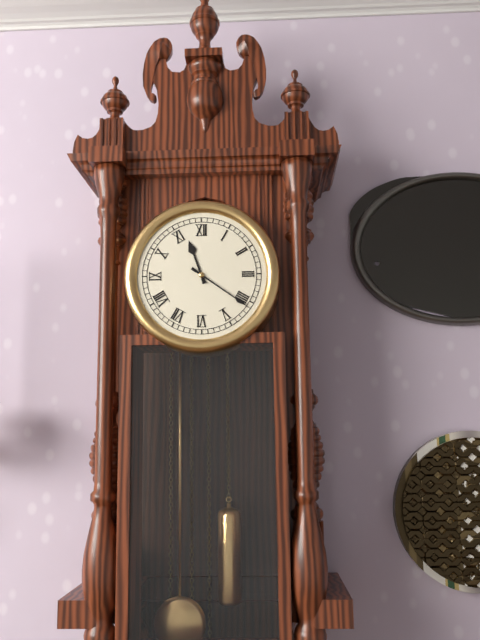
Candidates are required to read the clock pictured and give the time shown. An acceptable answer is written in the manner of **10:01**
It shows **11:21**
